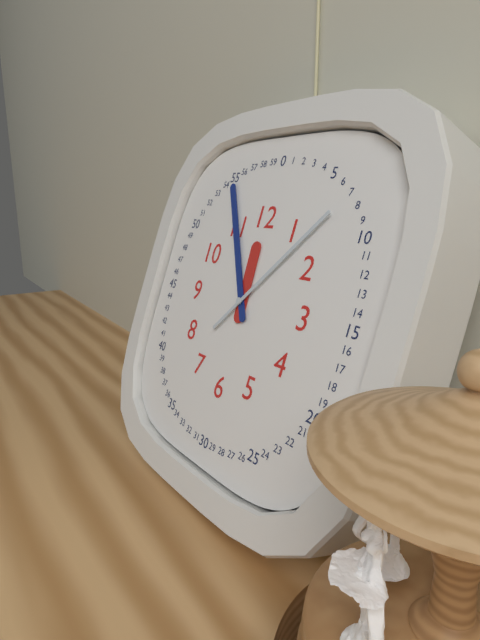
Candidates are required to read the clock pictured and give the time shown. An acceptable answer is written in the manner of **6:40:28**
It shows **11:55:07**
